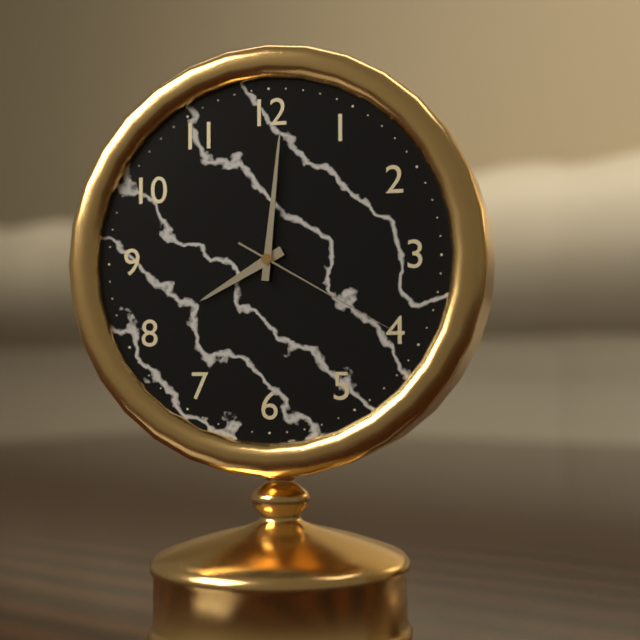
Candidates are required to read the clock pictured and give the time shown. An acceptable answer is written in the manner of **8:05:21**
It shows **8:01:20**
